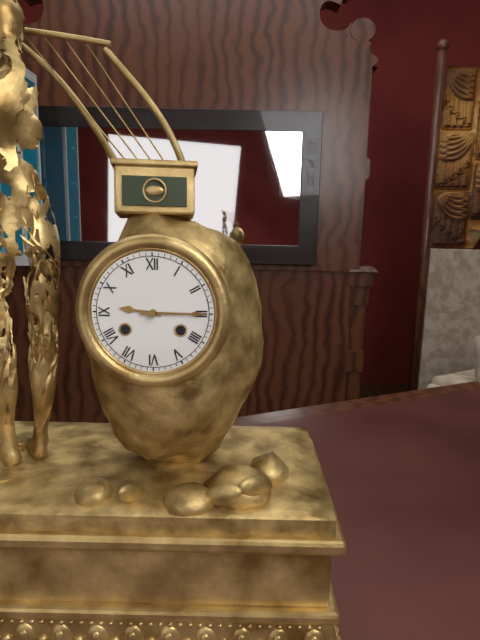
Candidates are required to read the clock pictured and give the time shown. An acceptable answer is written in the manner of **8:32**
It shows **9:15**
